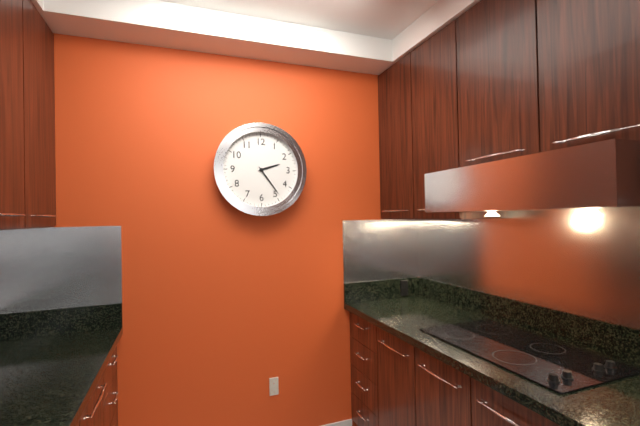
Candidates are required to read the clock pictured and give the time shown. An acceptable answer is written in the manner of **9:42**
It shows **2:24**
